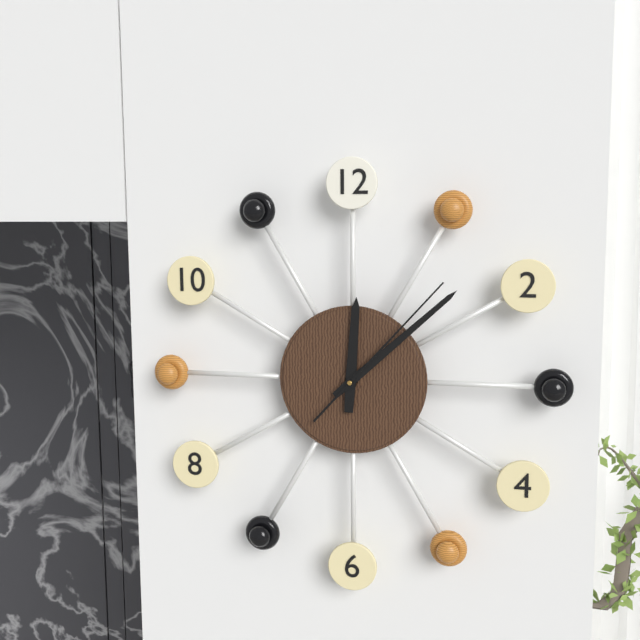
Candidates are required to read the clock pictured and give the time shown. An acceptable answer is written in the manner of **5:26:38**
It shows **12:08:07**
